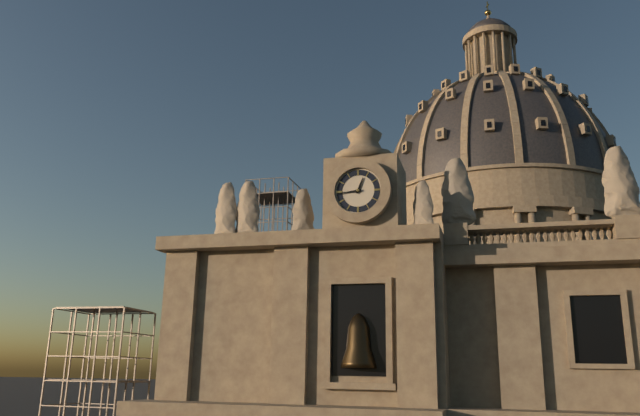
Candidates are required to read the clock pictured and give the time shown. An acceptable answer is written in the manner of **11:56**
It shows **12:44**
